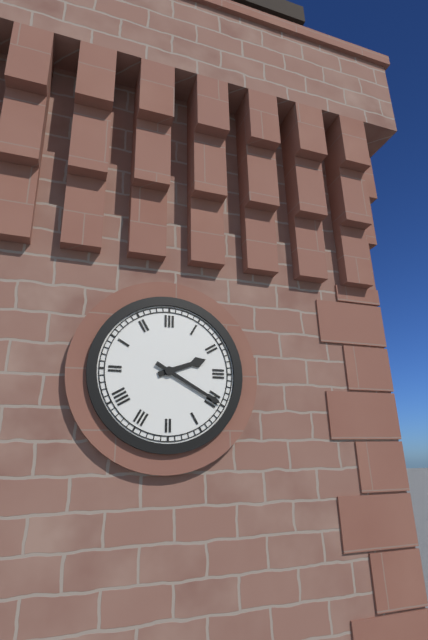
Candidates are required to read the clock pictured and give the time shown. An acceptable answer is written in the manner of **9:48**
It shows **2:20**
